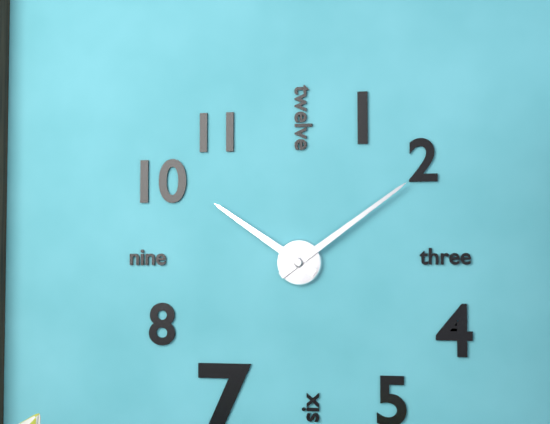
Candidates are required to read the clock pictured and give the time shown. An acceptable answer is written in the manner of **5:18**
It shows **10:09**
